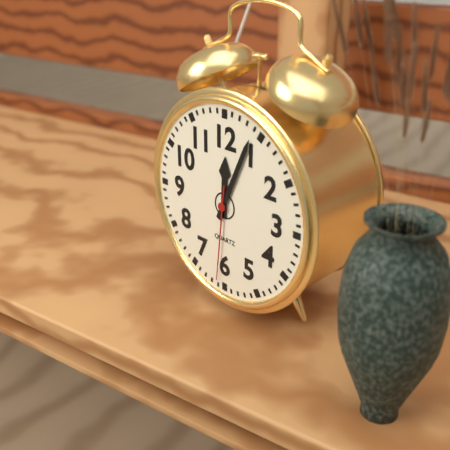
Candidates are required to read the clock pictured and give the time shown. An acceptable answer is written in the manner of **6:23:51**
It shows **12:04:31**
